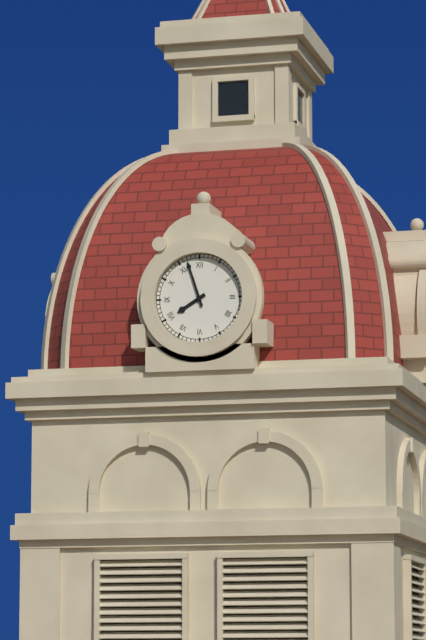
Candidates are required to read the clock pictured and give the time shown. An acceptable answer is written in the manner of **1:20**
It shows **7:57**
